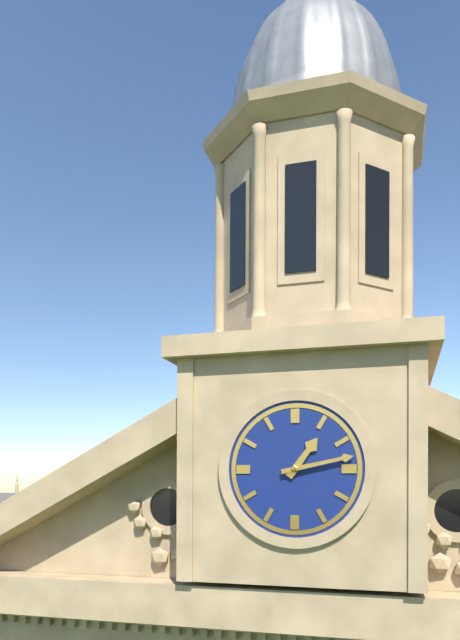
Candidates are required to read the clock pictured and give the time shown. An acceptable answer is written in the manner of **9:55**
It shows **1:13**
